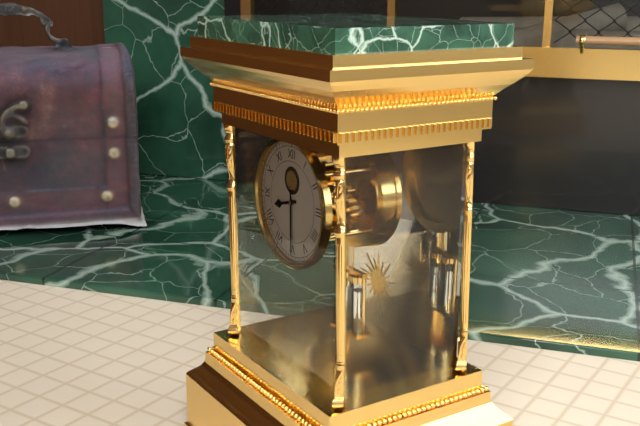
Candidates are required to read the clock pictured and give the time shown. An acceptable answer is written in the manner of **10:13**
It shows **8:30**
